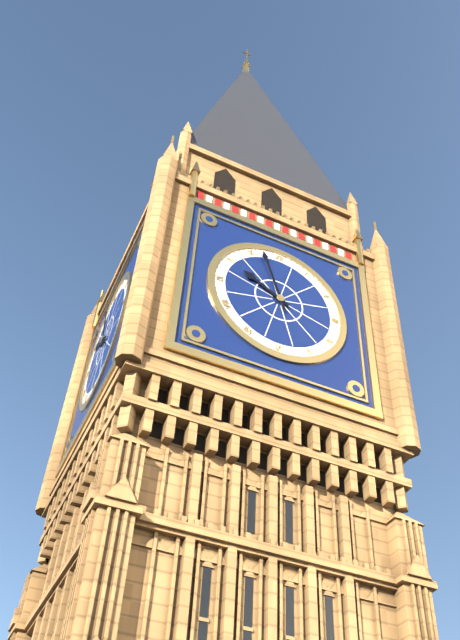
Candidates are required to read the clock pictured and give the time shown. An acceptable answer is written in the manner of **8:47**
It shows **9:57**
